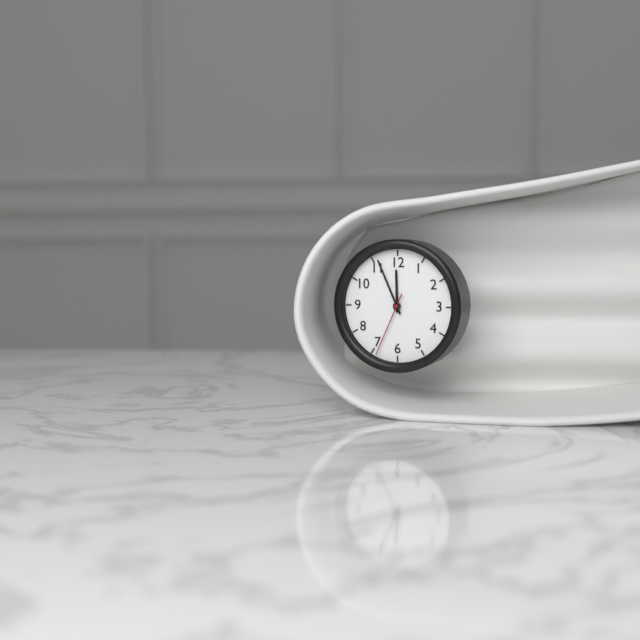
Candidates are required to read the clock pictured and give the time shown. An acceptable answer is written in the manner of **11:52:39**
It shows **11:56:34**
